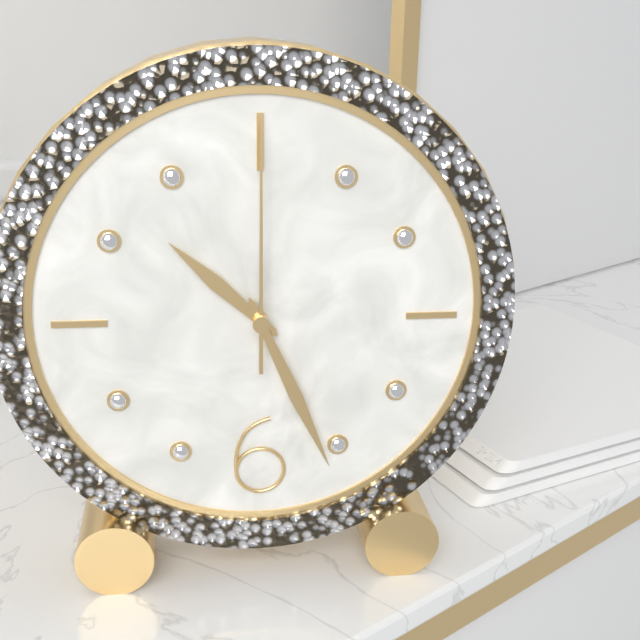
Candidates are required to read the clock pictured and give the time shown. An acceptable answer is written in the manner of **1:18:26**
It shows **10:26:00**
